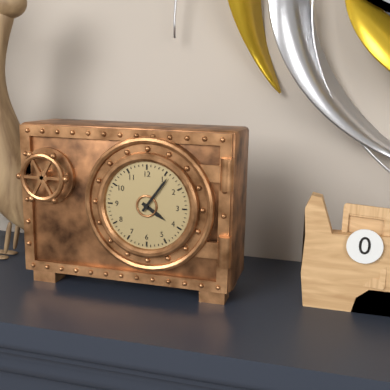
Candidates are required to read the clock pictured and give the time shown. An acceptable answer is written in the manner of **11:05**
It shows **4:06**
